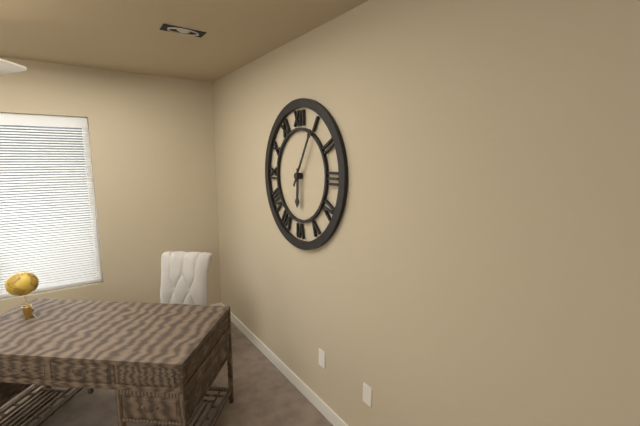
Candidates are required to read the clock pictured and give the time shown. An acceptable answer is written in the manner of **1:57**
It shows **6:05**
